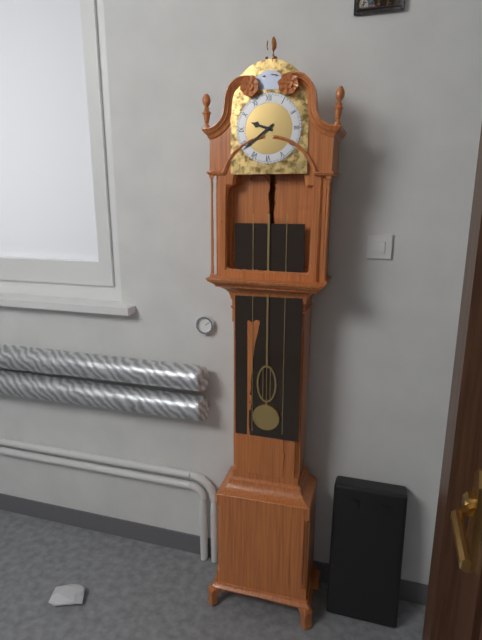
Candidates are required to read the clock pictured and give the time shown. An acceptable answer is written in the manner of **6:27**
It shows **9:39**
